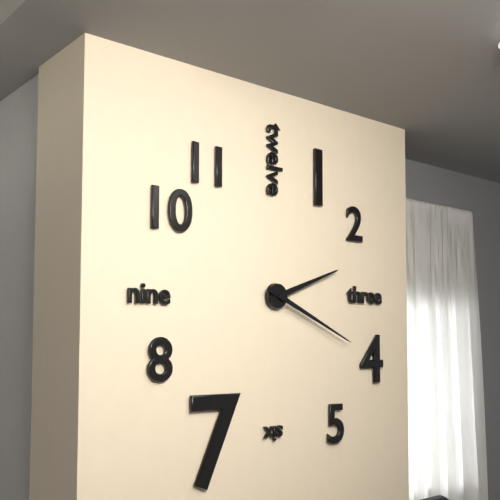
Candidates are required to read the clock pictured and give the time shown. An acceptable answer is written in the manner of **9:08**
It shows **2:19**
